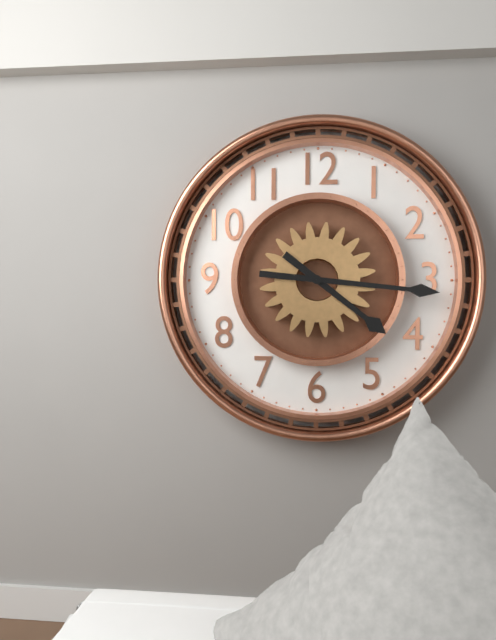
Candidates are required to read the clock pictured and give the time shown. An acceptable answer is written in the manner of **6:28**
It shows **4:16**
